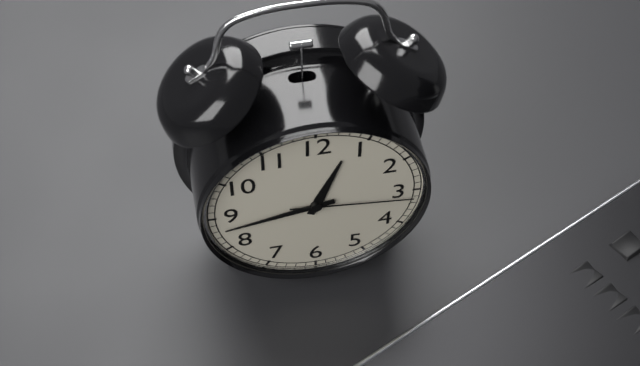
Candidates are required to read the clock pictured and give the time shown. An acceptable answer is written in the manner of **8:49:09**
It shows **12:43:16**
